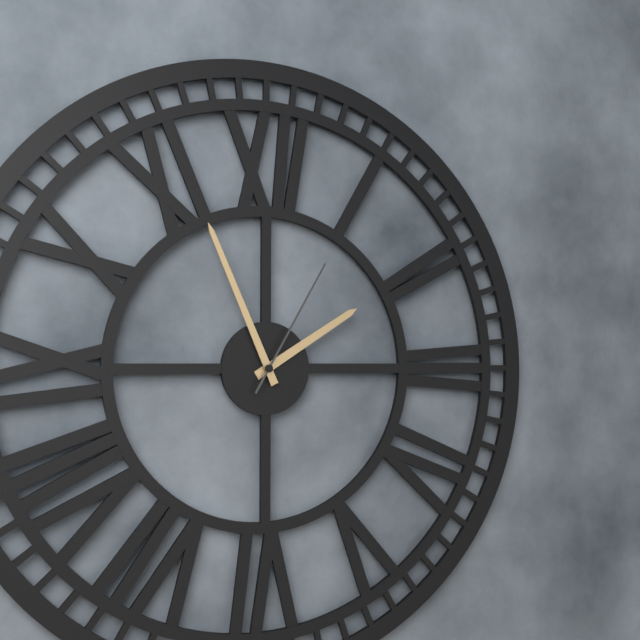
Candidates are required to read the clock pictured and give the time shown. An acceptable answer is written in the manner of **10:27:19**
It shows **1:56:05**
